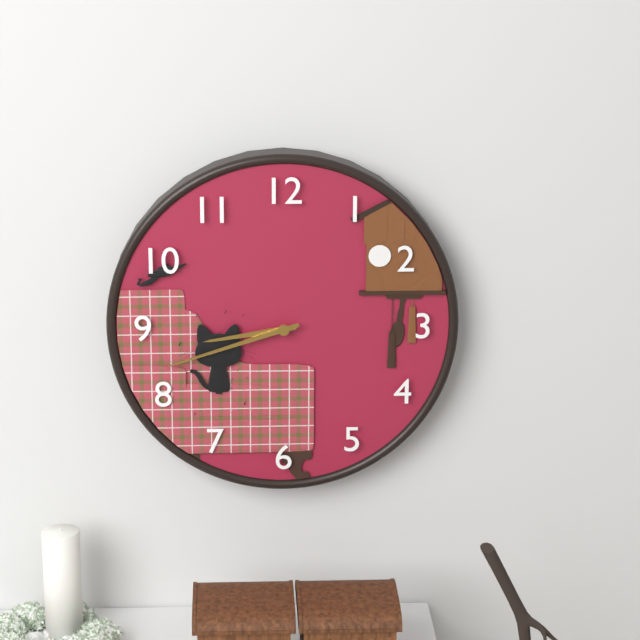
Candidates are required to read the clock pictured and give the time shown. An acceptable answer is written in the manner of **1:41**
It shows **8:42**
